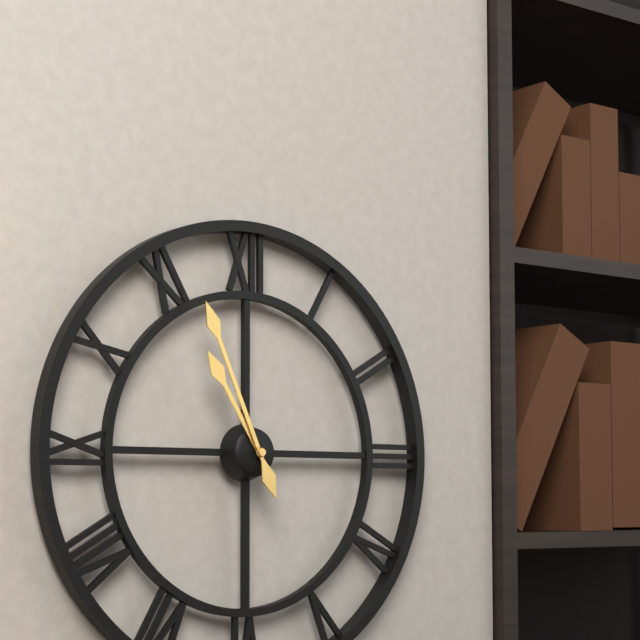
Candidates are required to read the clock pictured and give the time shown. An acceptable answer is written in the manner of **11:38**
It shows **10:56**
